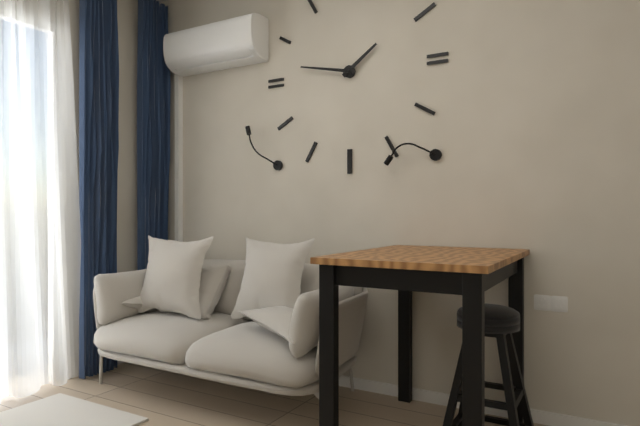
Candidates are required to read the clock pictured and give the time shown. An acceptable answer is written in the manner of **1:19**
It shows **1:47**
